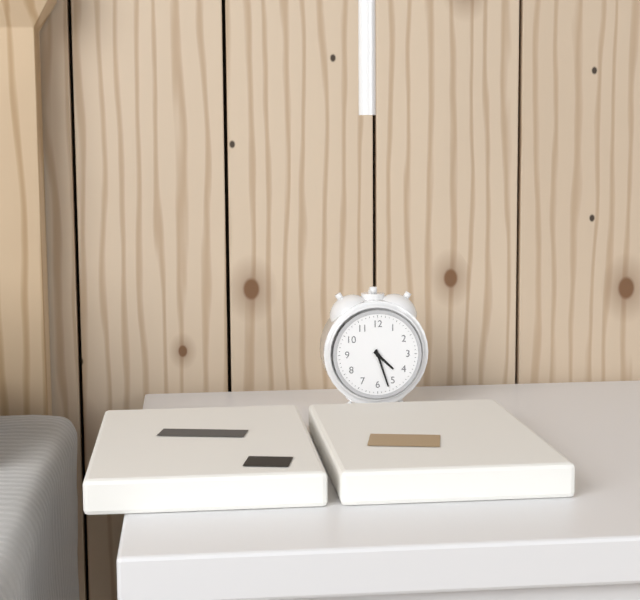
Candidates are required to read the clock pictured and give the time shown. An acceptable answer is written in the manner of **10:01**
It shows **4:27**
